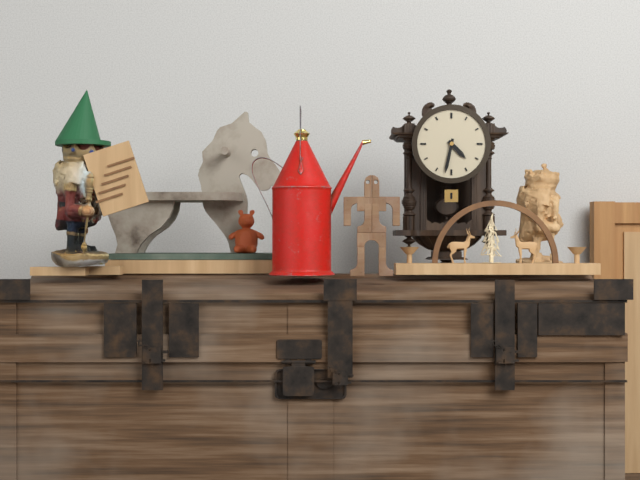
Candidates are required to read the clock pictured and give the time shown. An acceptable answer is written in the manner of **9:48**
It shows **4:32**
